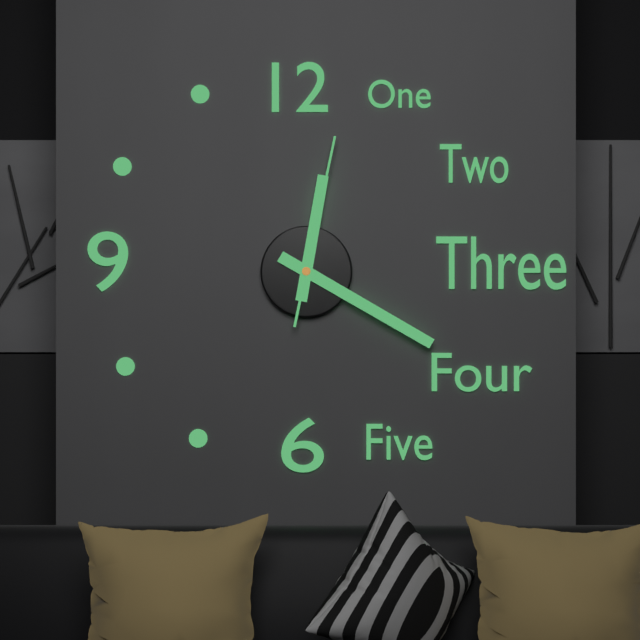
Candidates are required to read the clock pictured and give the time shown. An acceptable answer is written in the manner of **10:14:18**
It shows **12:20:02**
